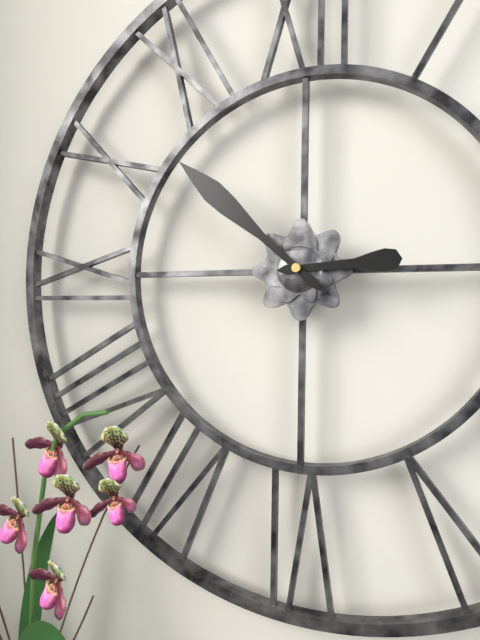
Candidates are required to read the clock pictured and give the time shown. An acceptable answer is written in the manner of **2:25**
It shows **2:52**
